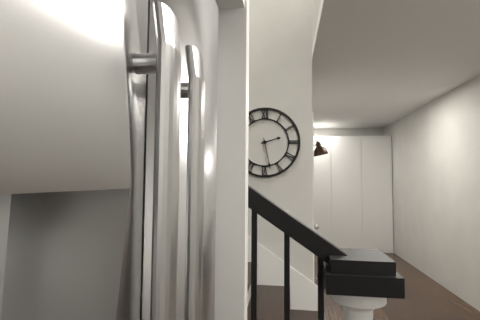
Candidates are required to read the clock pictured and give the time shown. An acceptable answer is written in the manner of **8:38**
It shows **2:28**
